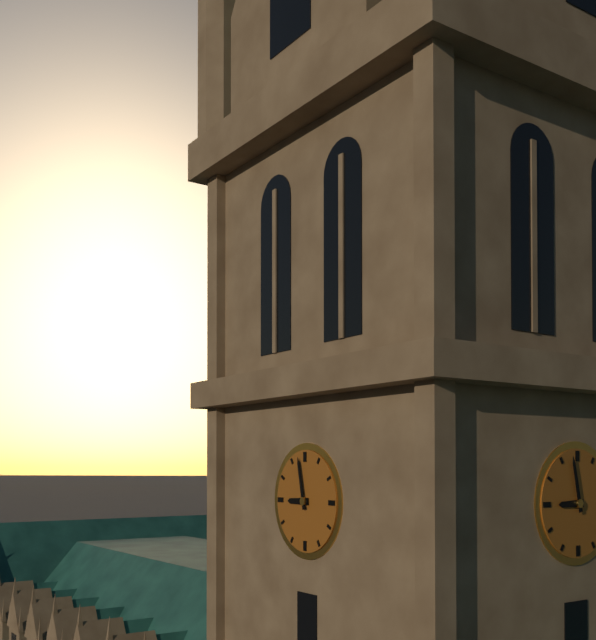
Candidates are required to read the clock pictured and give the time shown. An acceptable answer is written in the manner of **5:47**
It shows **8:58**
